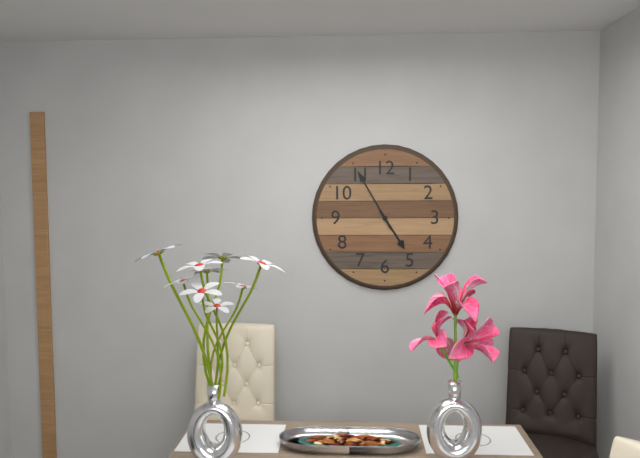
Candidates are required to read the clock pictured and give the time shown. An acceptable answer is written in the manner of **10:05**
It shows **4:55**
